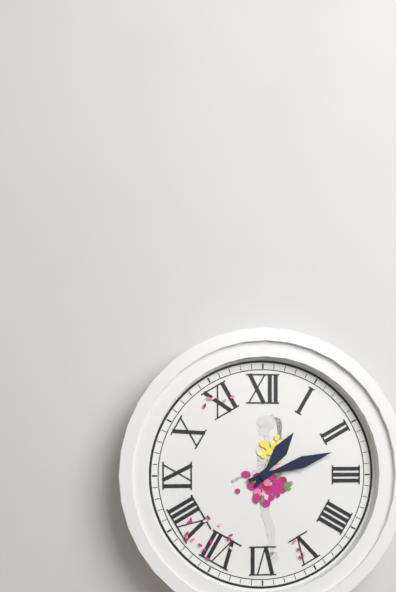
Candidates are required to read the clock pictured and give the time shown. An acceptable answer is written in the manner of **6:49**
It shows **1:12**
